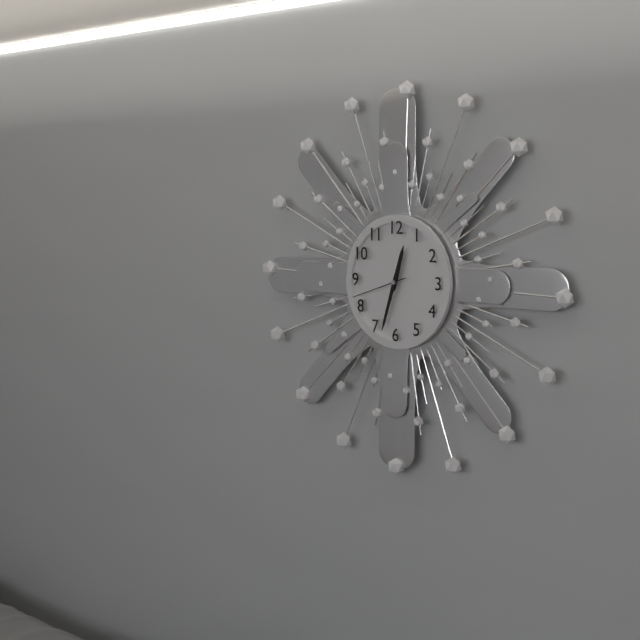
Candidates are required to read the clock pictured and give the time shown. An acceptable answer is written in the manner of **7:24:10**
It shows **12:33:42**
